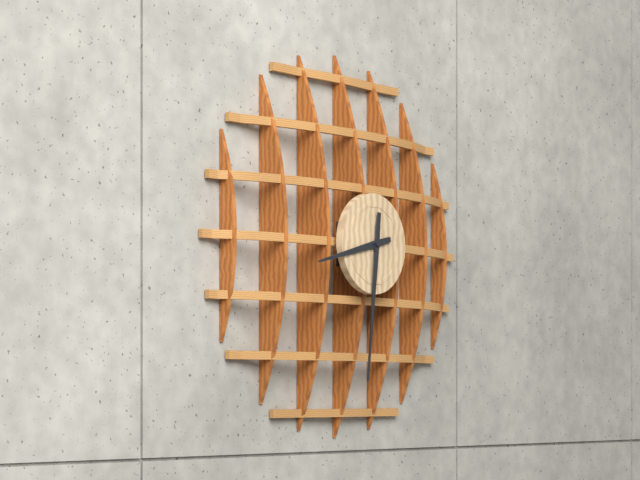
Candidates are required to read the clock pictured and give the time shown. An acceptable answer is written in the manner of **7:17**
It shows **8:31**
